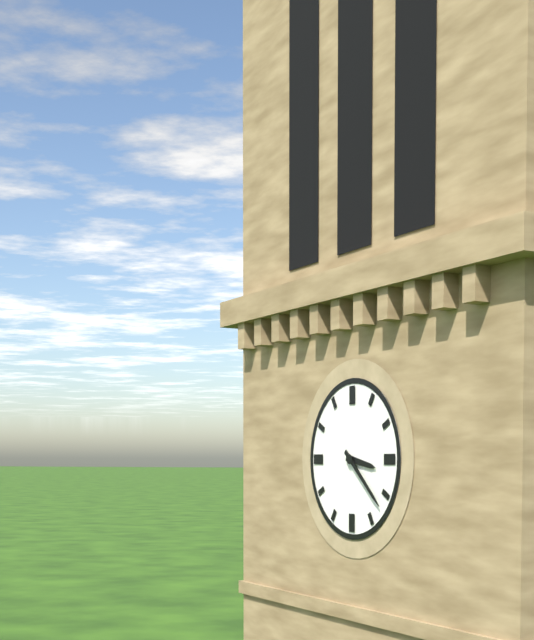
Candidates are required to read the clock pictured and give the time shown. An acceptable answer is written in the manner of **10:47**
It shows **3:22**
